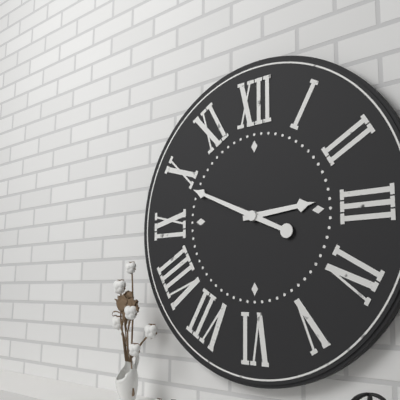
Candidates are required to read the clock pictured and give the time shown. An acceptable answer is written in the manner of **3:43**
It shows **2:49**
